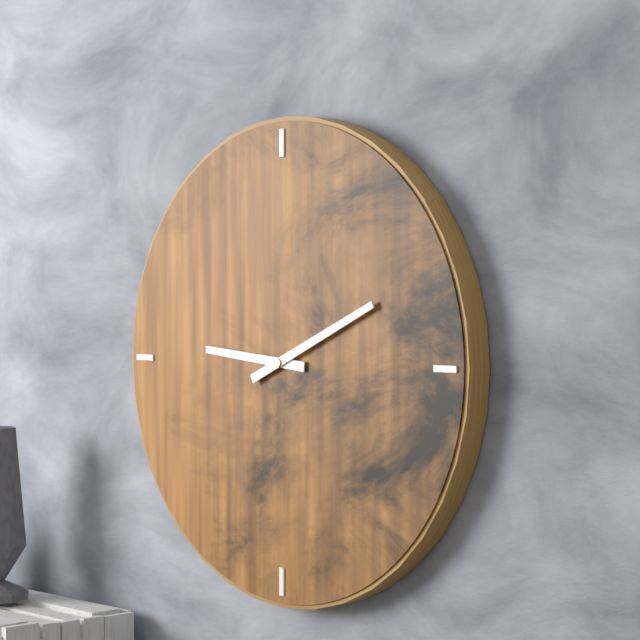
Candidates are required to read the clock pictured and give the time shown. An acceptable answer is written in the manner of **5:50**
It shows **9:11**
